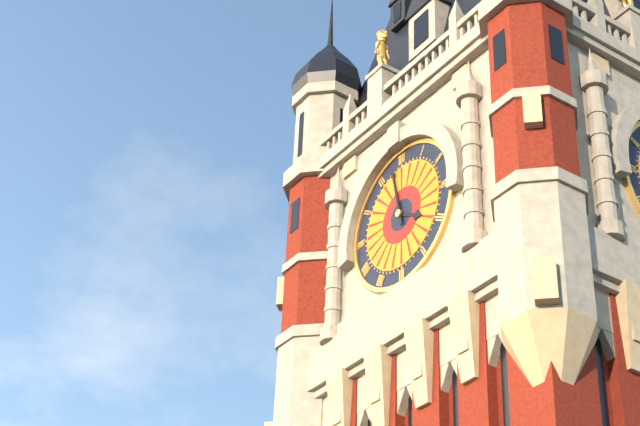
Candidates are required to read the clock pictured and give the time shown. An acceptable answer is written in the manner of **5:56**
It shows **3:58**
